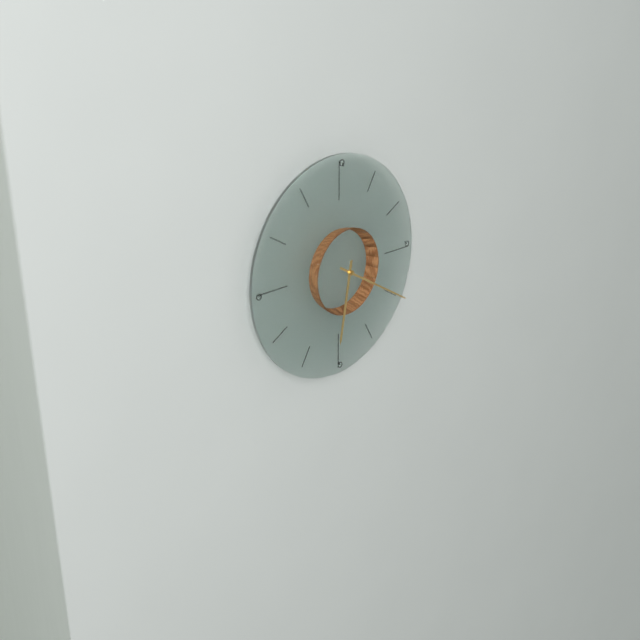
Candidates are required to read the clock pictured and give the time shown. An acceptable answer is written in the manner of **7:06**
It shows **6:20**
